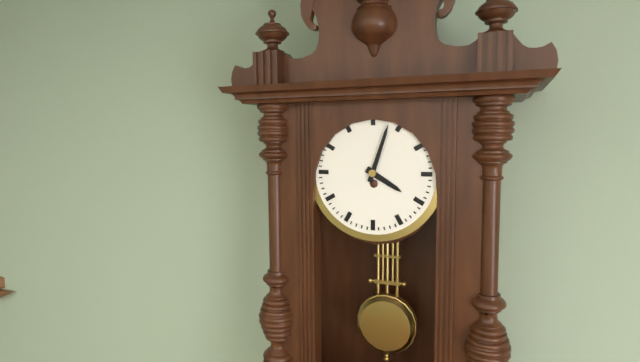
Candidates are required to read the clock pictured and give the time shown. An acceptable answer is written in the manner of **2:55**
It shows **4:03**
